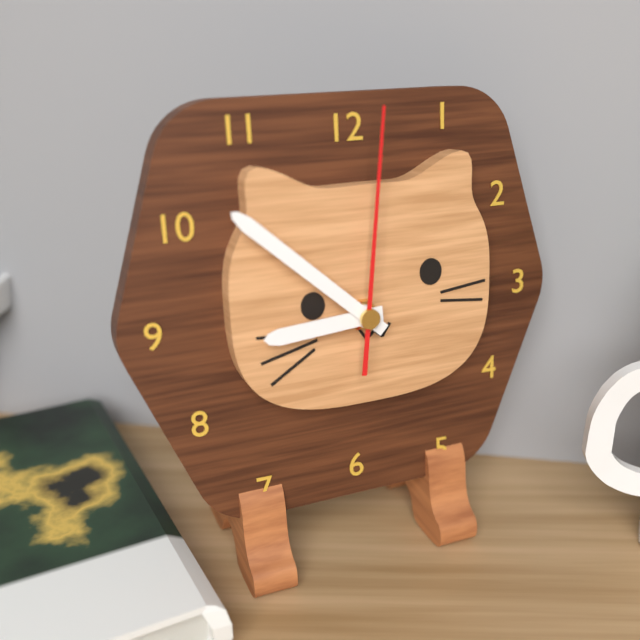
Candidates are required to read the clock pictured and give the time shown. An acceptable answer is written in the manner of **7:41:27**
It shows **8:52:01**
